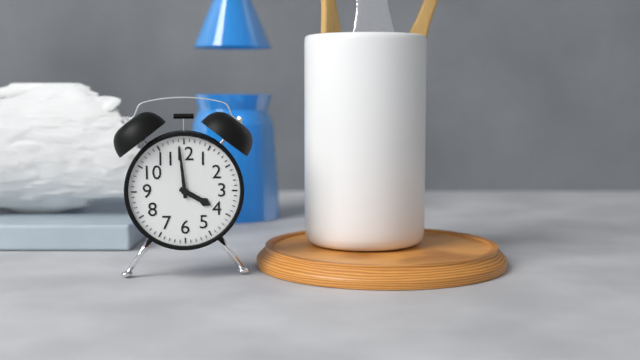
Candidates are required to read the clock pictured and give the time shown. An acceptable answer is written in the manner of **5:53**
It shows **3:59**
